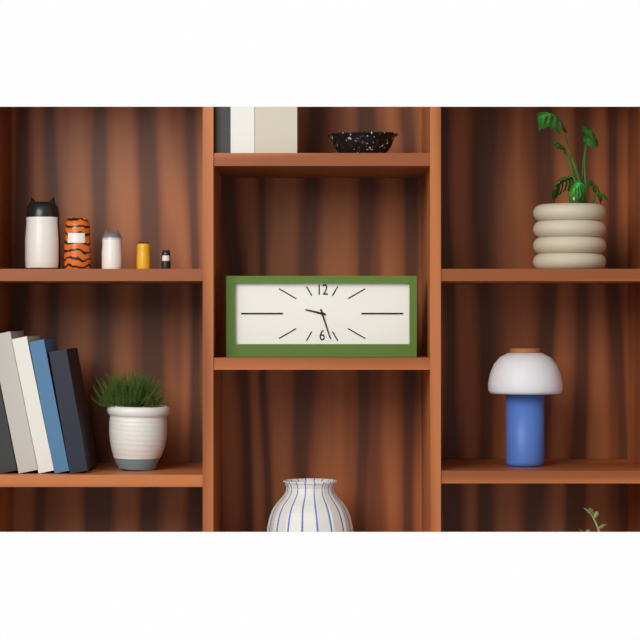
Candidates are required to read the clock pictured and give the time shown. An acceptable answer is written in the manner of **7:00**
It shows **9:27**
